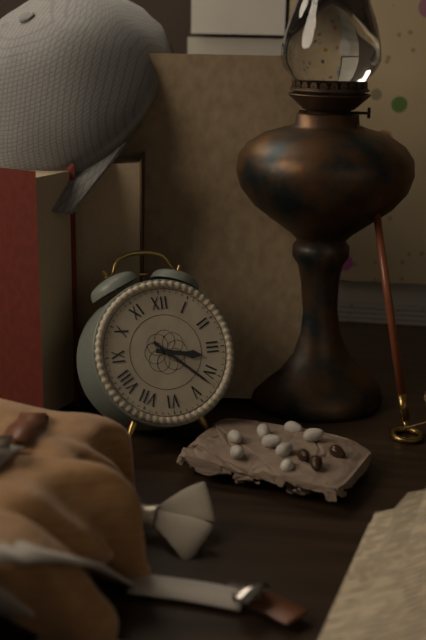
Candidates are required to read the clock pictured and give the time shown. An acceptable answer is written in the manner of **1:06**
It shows **3:22**
